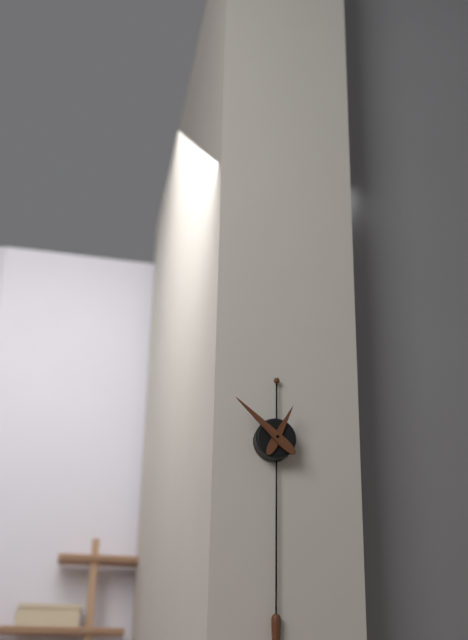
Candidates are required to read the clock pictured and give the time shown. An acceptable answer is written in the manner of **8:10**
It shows **12:52**
